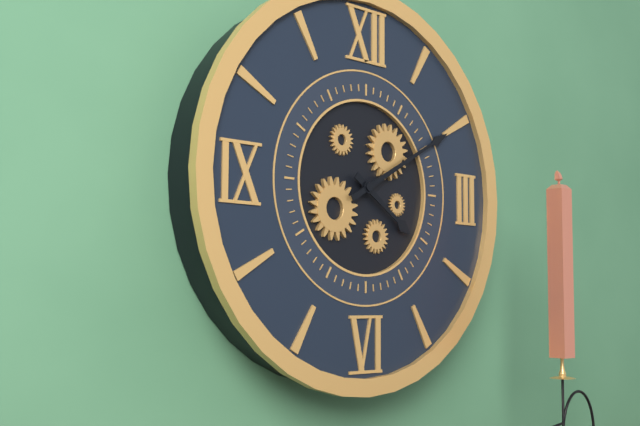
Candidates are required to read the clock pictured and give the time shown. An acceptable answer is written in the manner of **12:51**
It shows **4:10**
